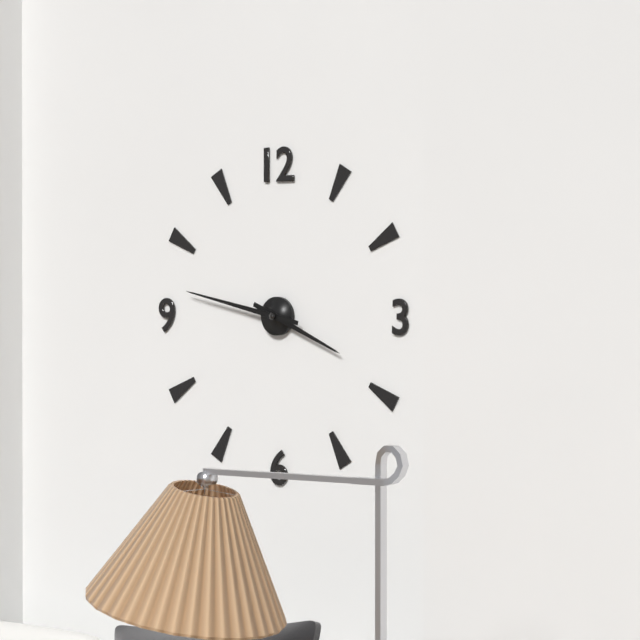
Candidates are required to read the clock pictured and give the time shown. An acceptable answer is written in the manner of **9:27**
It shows **3:47**
